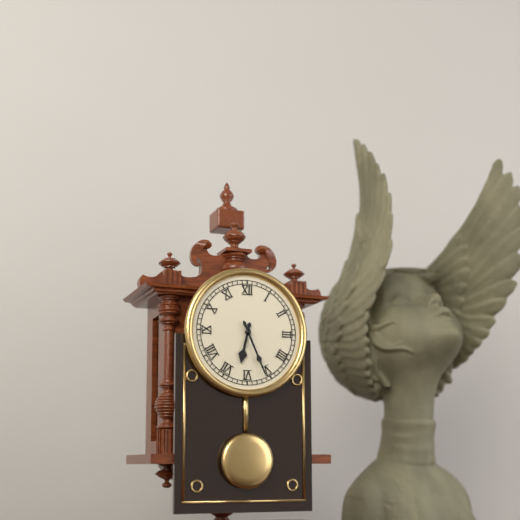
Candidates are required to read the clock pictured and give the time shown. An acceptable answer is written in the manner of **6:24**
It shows **6:26**
